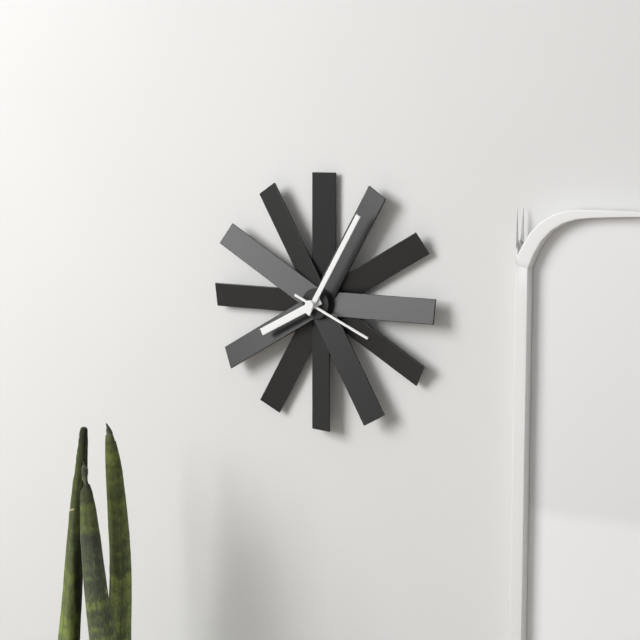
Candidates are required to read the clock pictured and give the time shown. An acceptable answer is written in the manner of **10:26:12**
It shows **8:05:19**
